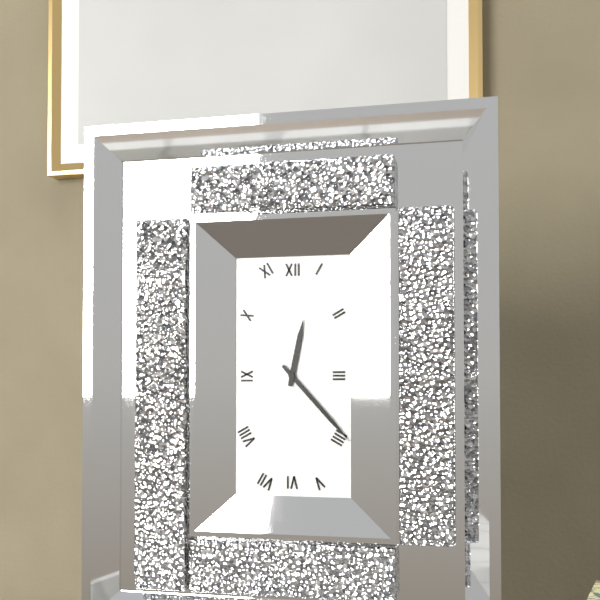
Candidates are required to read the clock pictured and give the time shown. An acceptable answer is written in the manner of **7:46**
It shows **12:23**
